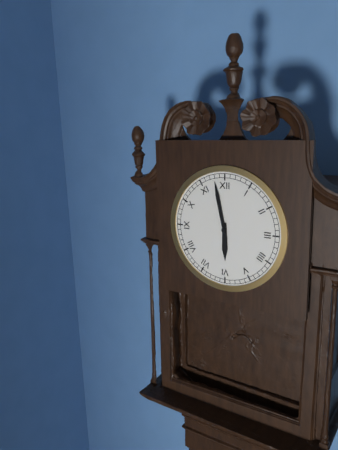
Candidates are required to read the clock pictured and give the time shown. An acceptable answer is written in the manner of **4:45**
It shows **5:58**
